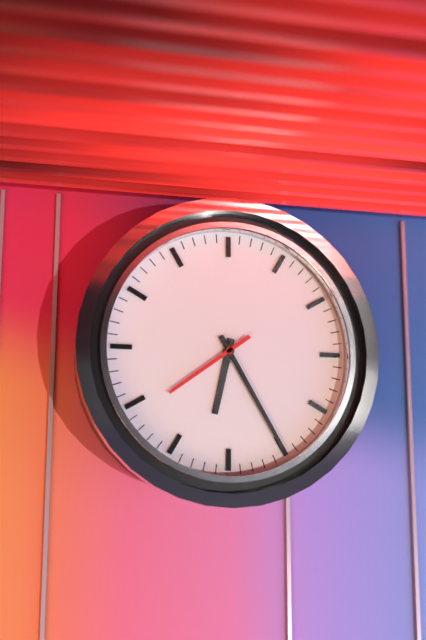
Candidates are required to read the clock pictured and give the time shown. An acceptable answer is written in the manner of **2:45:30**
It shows **6:25:39**
